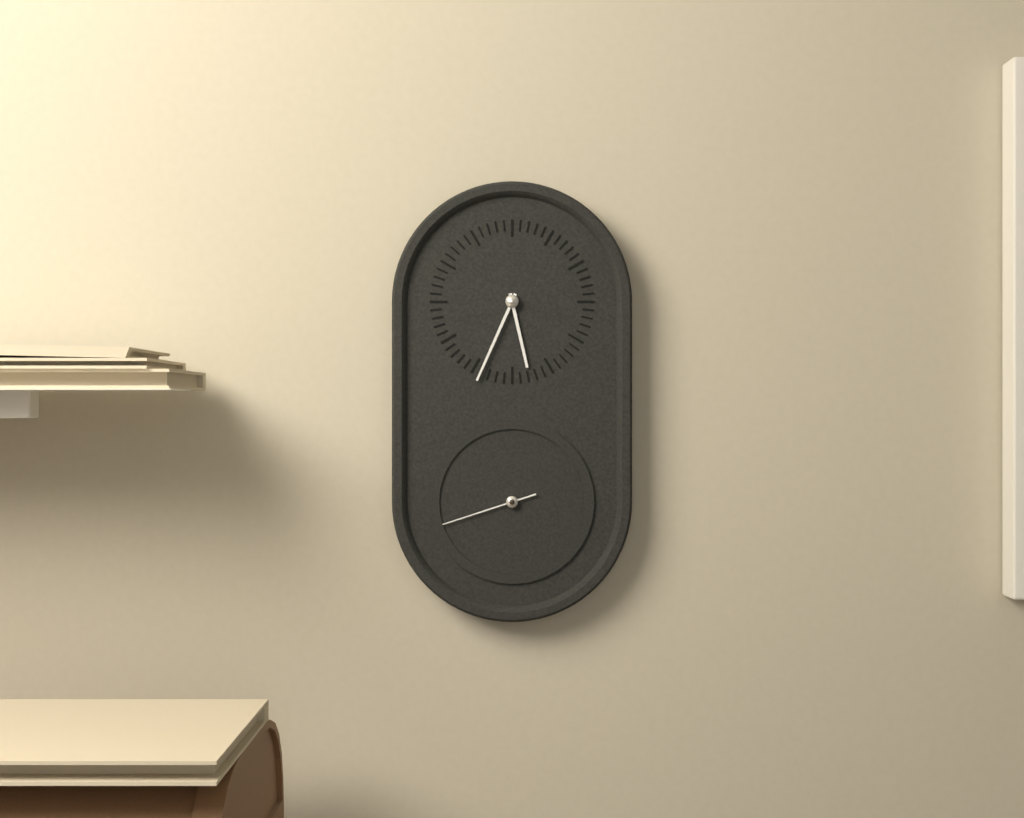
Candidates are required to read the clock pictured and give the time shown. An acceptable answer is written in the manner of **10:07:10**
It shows **5:34:42**
